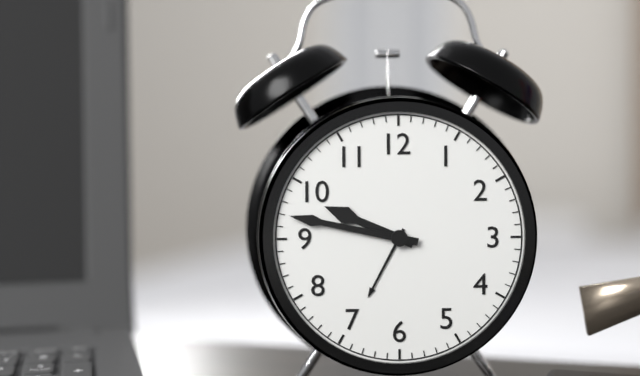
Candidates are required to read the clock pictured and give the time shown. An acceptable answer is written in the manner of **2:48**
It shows **9:47**
